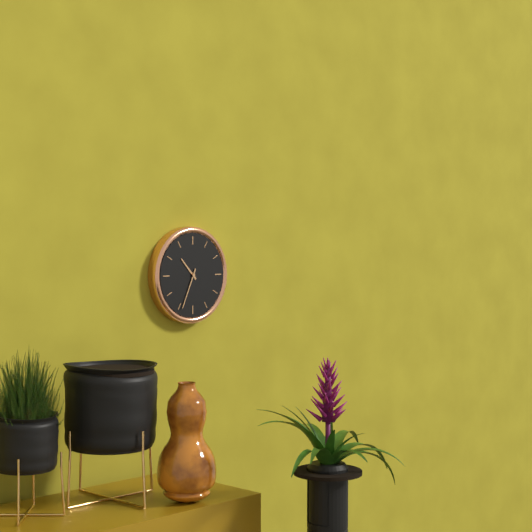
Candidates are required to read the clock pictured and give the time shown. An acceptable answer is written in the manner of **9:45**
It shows **10:34**
